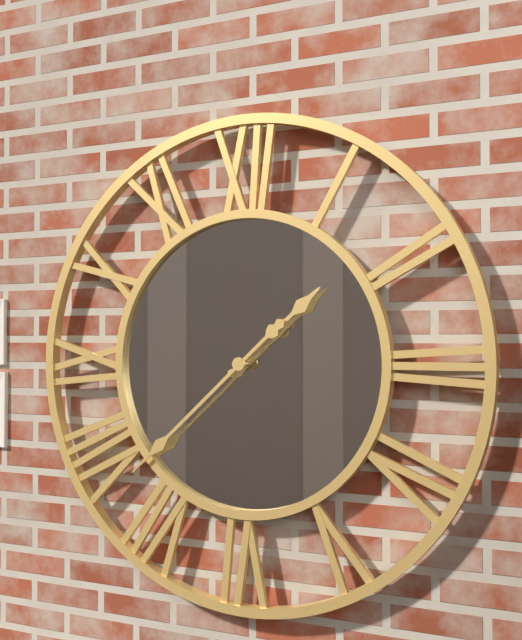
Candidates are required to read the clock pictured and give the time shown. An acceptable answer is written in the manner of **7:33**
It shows **1:38**
